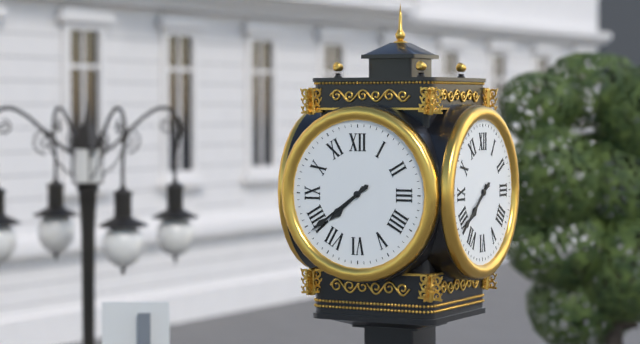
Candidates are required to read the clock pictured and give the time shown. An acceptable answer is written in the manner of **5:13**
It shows **7:39**
